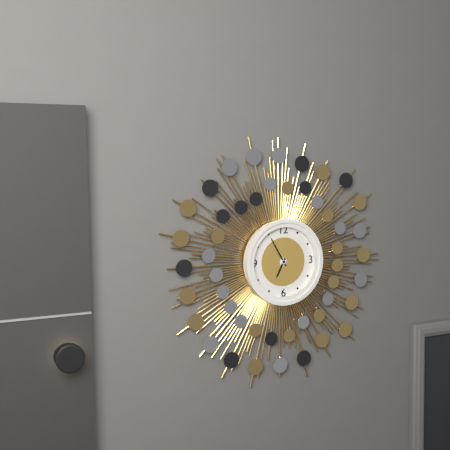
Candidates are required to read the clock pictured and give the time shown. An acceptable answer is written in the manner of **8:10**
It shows **6:55**
